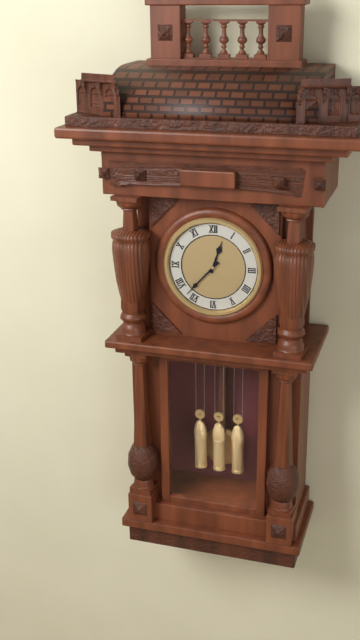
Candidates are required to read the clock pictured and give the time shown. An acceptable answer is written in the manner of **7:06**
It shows **12:37**
